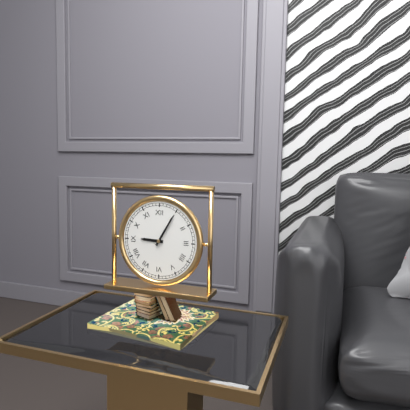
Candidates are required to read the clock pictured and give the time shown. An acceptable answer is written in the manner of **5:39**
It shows **9:05**
